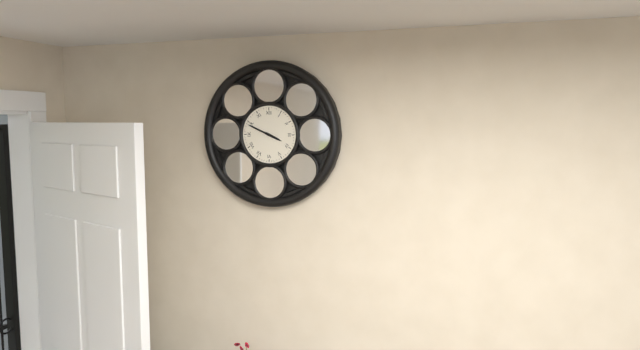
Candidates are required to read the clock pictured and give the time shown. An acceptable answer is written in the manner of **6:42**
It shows **3:49**
